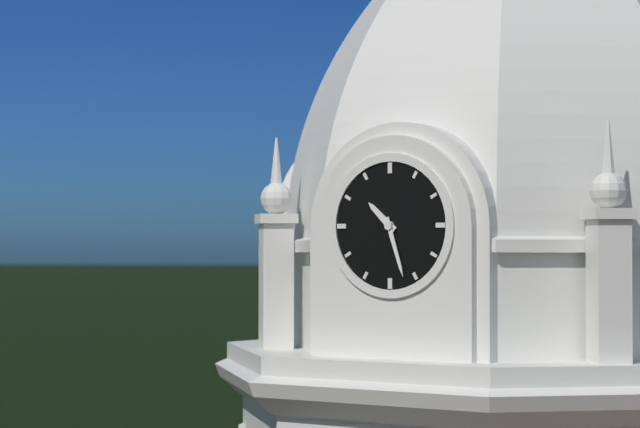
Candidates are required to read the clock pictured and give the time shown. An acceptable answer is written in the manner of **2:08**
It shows **10:27**
